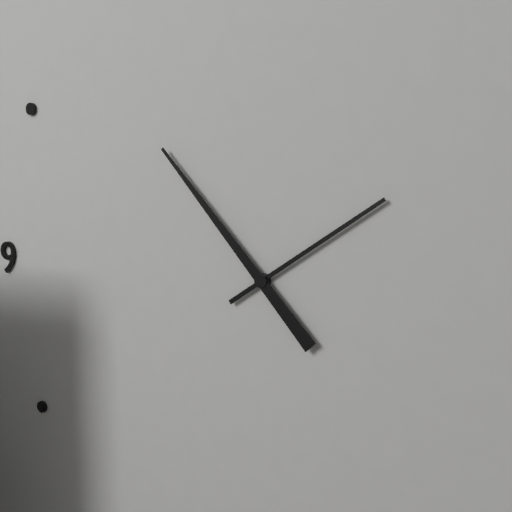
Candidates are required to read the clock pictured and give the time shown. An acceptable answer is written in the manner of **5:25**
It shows **1:53**
